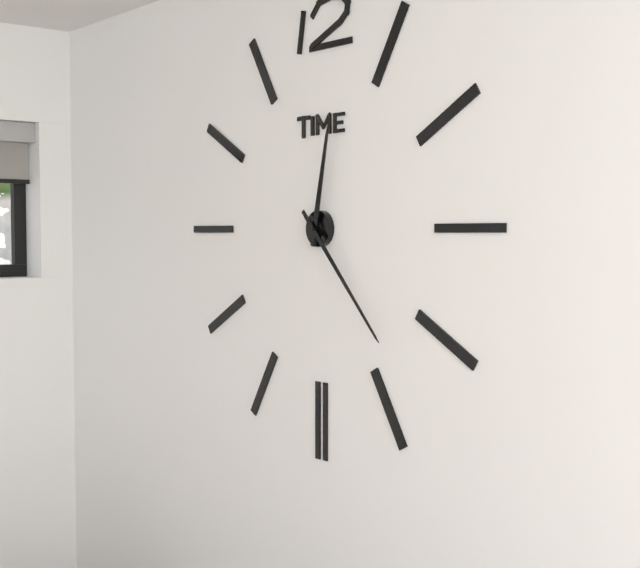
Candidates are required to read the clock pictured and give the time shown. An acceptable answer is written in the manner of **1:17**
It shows **12:23**
